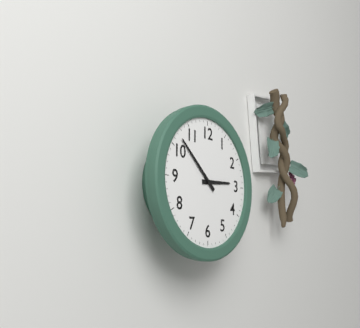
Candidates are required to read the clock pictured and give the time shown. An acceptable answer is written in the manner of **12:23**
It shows **2:52**
